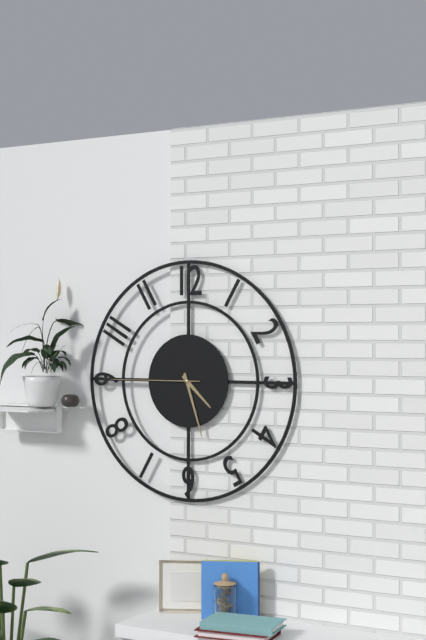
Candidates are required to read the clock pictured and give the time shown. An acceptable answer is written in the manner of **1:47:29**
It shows **4:27:45**
